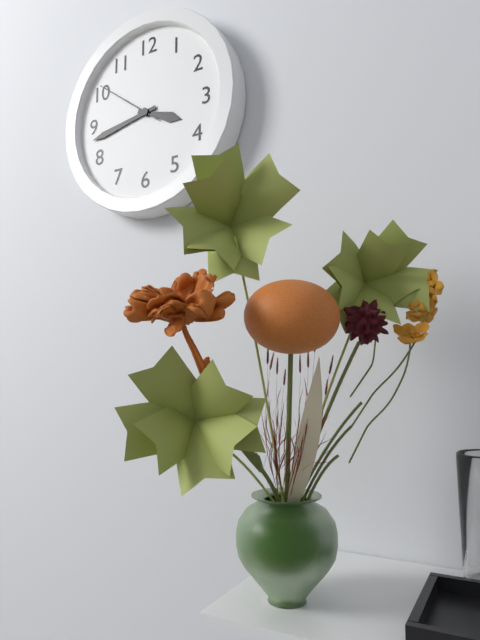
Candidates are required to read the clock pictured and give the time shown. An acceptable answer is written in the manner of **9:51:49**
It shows **3:43:51**
